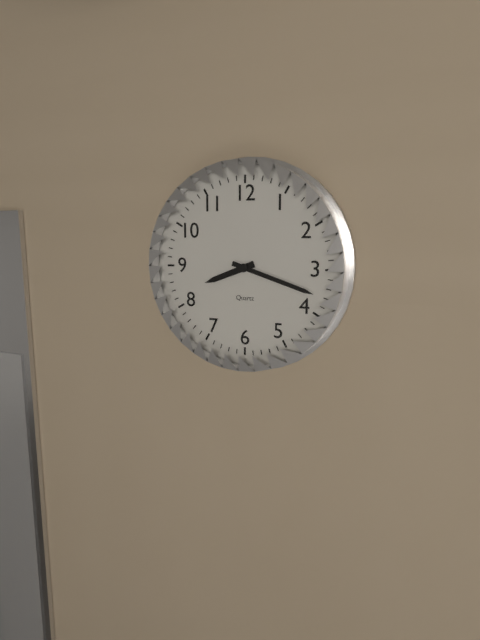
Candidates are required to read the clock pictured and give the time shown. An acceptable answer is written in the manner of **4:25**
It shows **8:18**
